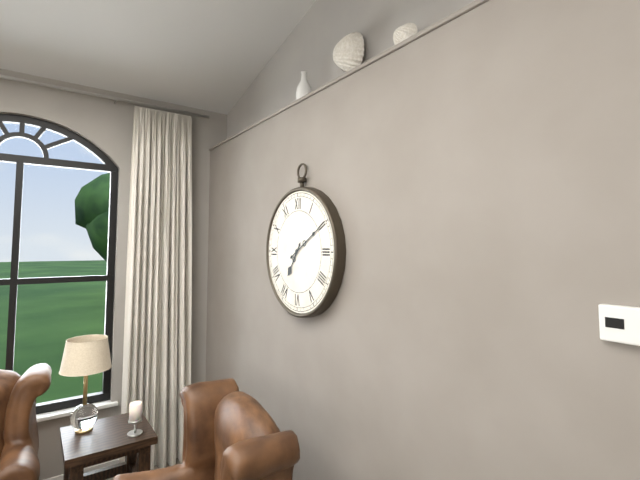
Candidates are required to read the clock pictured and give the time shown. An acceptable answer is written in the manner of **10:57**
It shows **7:10**
